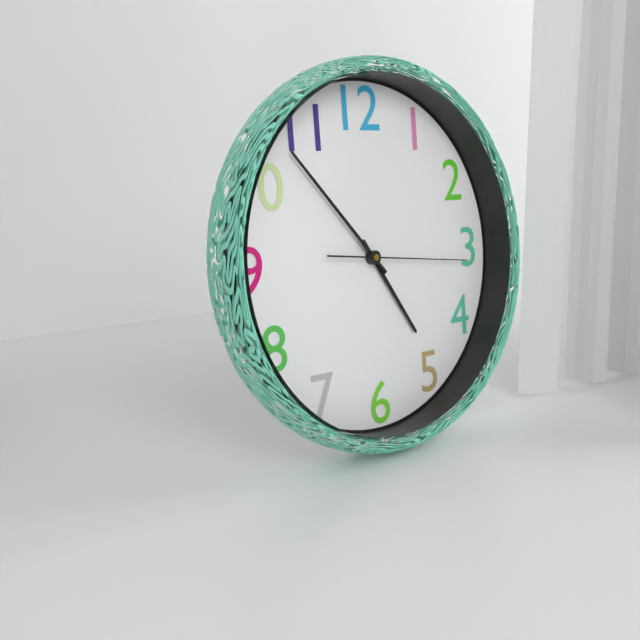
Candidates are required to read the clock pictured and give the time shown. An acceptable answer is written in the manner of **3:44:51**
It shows **4:53:16**
